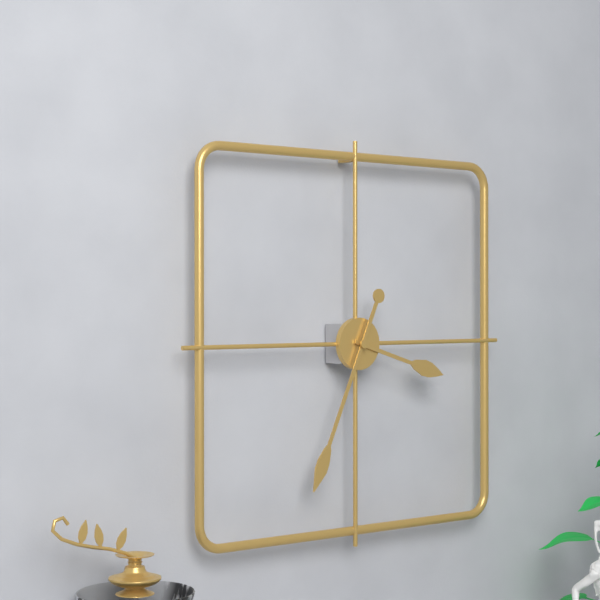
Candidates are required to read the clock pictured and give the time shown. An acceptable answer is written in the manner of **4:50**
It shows **3:34**
